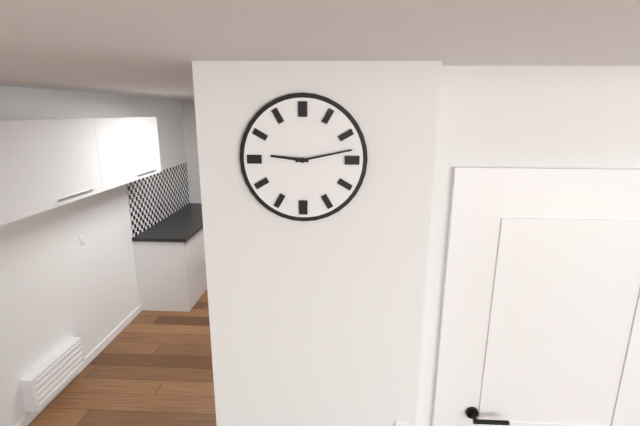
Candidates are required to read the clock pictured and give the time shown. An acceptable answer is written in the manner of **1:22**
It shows **9:13**
